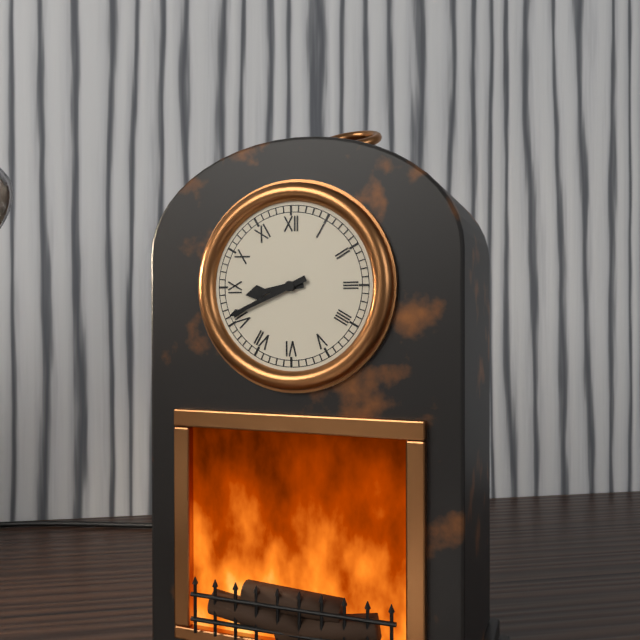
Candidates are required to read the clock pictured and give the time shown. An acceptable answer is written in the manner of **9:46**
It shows **8:41**
